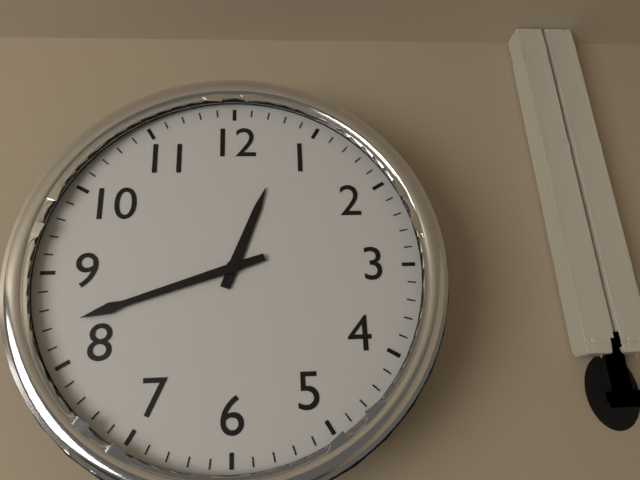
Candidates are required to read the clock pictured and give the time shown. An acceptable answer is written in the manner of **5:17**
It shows **12:42**
